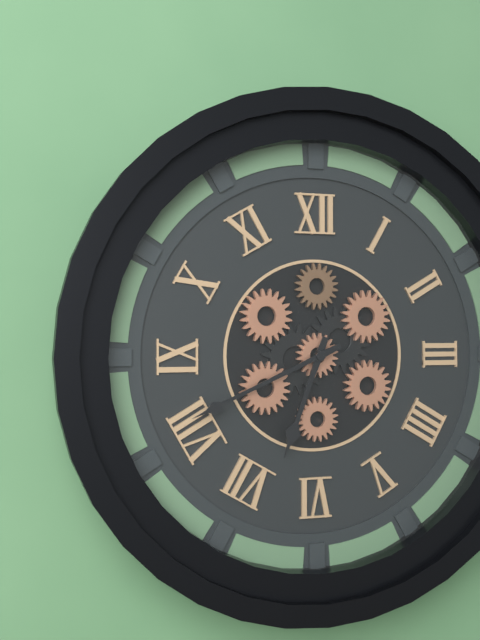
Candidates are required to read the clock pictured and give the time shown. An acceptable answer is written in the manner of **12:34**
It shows **6:41**
